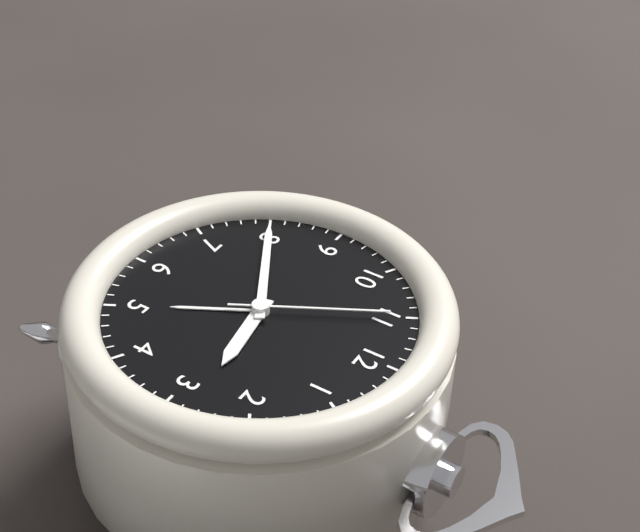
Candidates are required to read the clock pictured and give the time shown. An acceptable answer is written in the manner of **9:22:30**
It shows **2:40:55**
